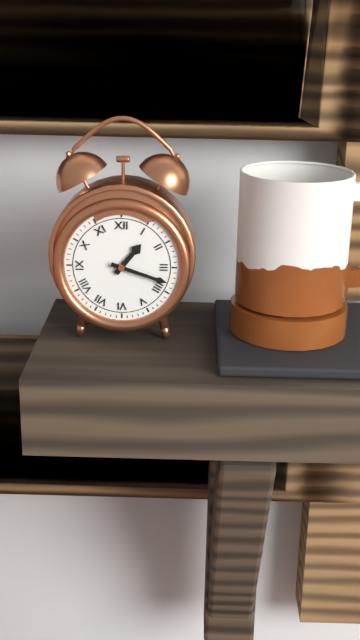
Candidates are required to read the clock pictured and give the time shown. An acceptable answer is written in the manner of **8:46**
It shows **1:18**
